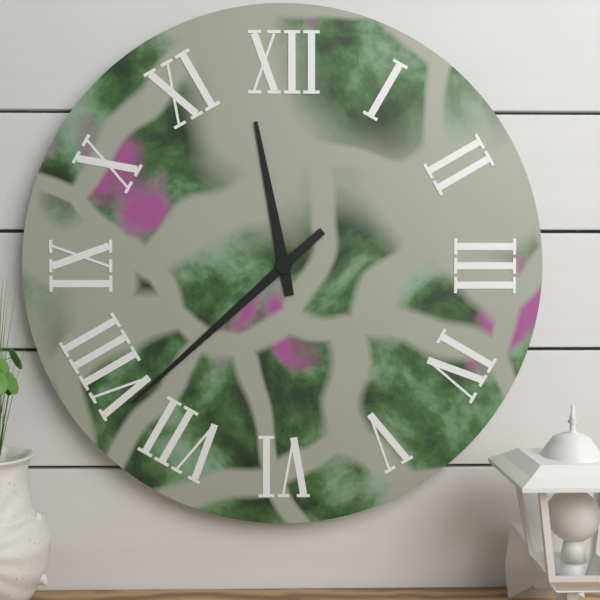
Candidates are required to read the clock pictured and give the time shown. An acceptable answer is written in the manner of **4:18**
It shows **11:38**
